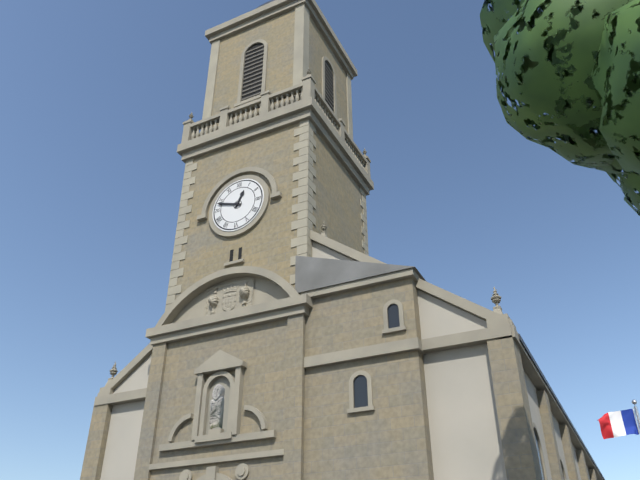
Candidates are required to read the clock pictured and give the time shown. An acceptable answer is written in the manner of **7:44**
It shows **12:48**
